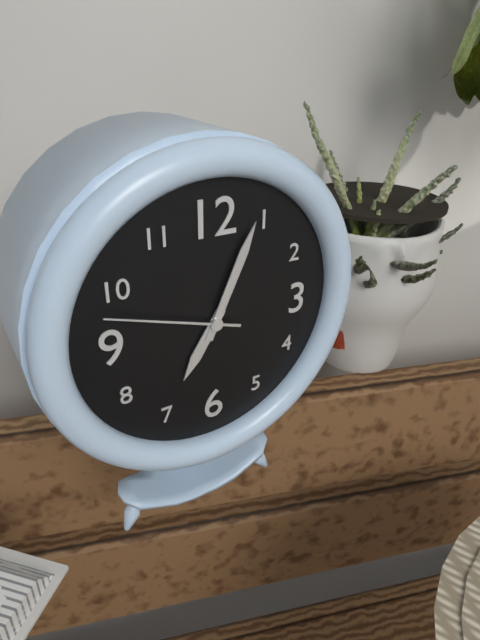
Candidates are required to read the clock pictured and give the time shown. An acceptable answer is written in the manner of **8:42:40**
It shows **7:04:48**
